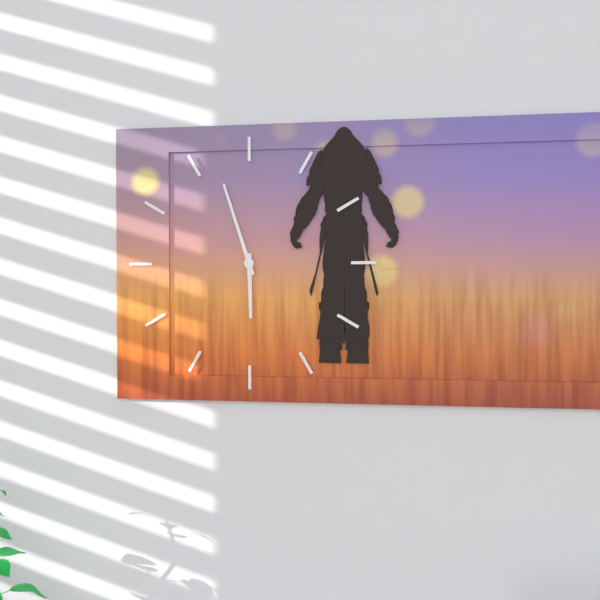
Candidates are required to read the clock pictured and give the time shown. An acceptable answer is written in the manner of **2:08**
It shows **5:57**
